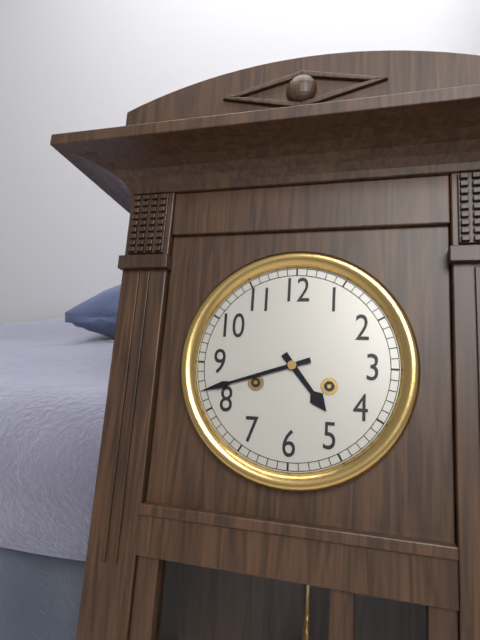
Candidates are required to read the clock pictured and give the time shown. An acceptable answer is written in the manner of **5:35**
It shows **4:42**
